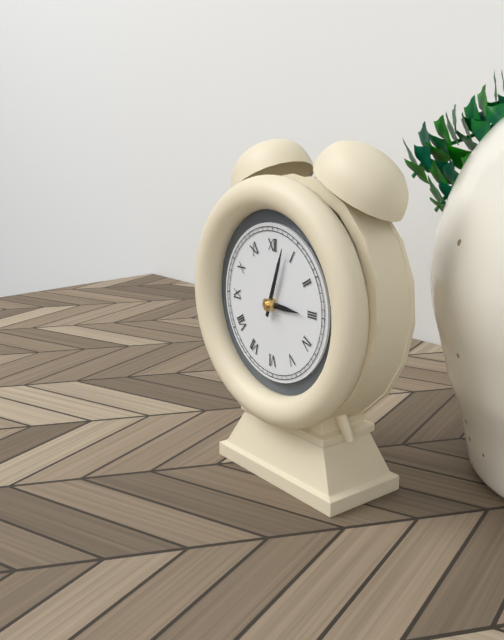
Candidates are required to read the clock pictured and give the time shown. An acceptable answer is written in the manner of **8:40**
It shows **3:03**
